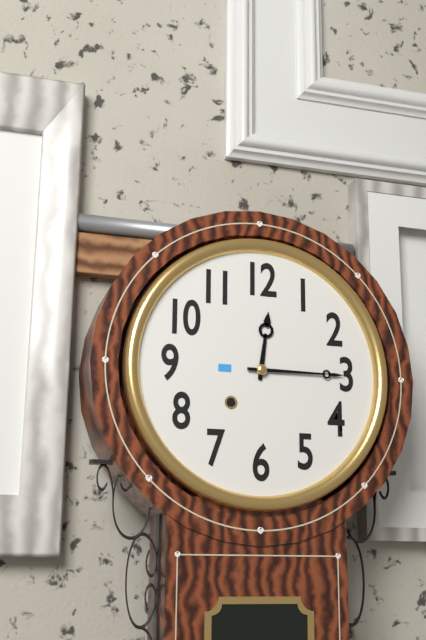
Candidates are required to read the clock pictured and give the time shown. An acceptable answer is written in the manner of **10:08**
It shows **12:15**
